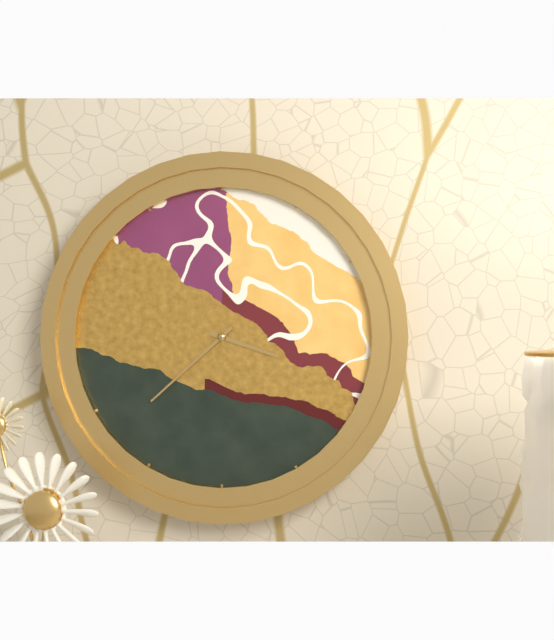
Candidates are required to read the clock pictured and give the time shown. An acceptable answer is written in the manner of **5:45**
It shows **3:38**
